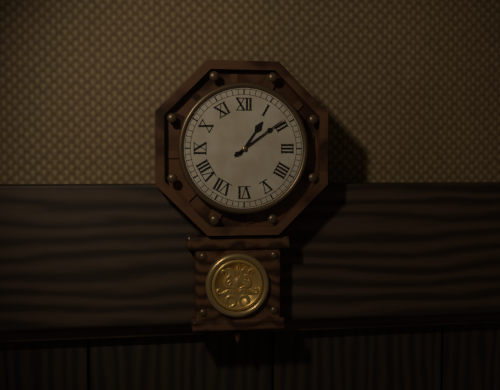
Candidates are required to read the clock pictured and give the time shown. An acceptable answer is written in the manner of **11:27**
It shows **1:09**
